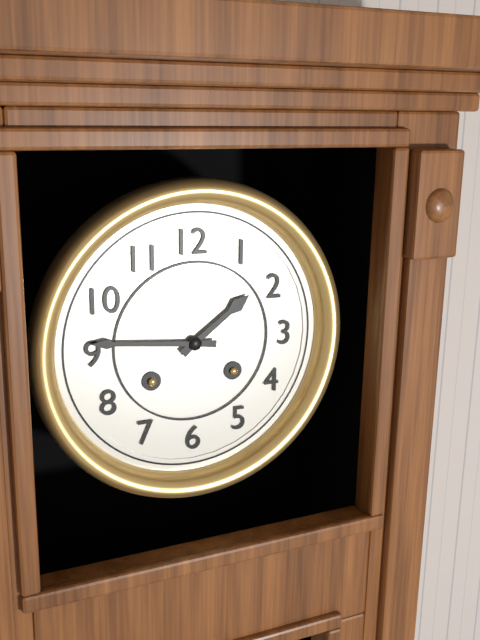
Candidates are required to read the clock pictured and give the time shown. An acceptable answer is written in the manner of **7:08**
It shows **1:46**
